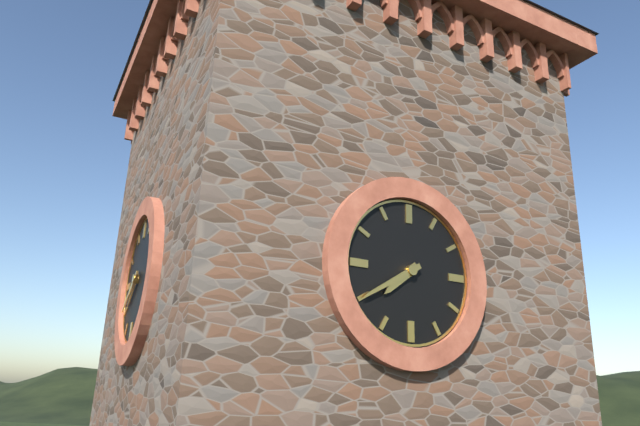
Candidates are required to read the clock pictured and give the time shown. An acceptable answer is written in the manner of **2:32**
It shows **7:40**
